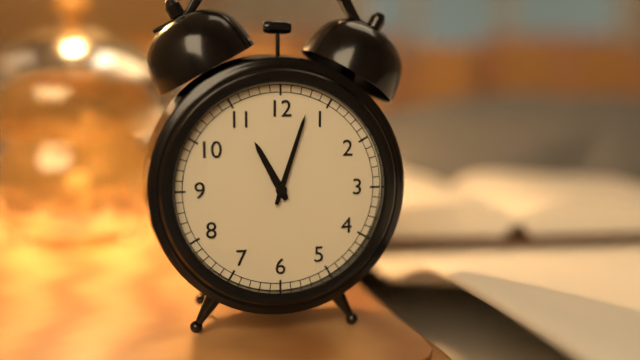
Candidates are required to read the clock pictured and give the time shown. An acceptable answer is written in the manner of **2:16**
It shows **11:03**
